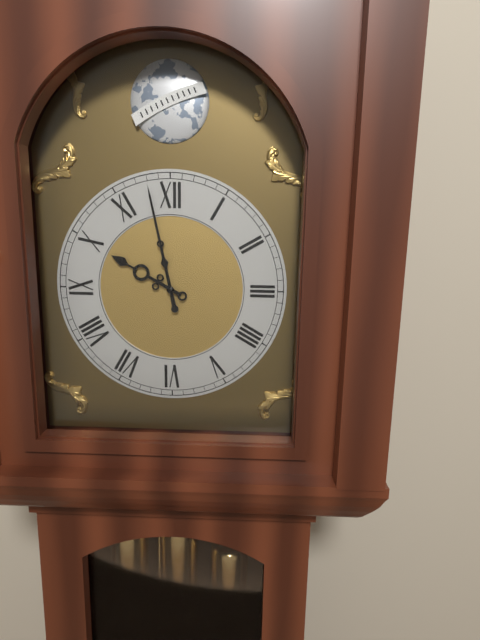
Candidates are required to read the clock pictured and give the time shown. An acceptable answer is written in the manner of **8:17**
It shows **9:58**
